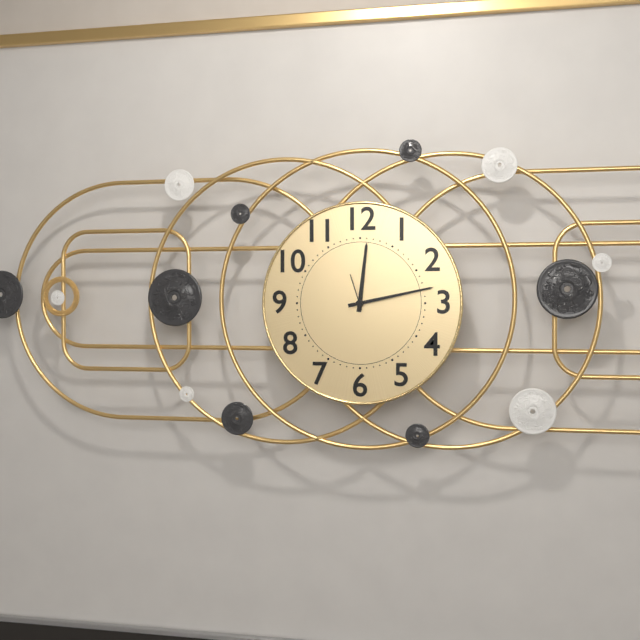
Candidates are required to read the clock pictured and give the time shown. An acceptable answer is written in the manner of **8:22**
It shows **12:13**
